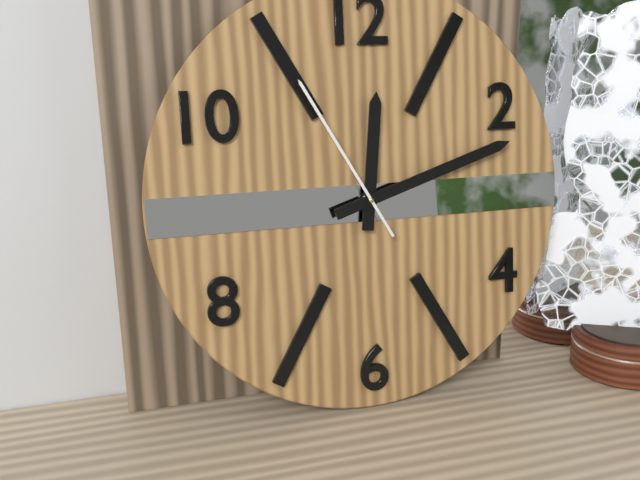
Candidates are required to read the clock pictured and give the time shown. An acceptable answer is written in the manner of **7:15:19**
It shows **12:12:55**
